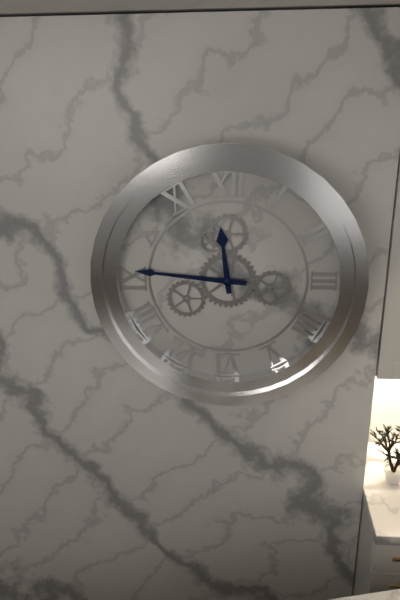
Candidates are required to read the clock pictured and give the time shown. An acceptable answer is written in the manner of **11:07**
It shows **11:46**
